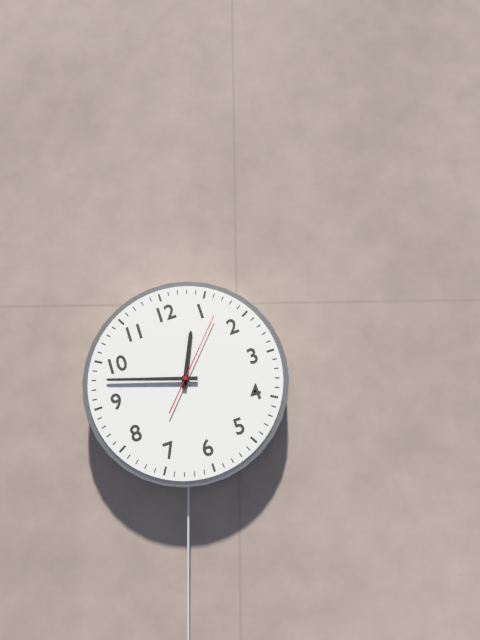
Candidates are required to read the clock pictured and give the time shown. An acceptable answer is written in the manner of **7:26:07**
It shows **12:48:07**
